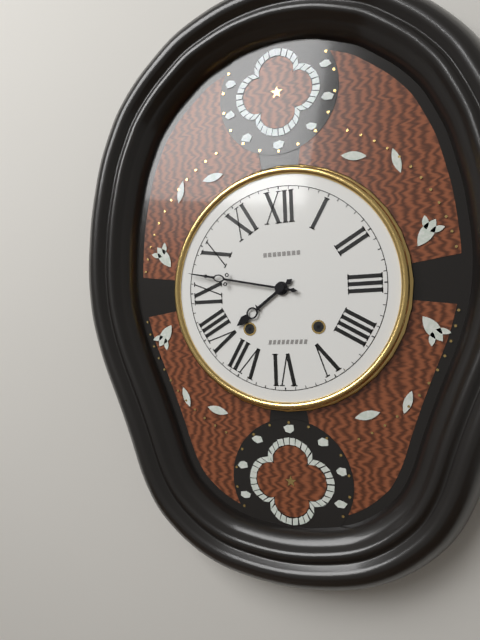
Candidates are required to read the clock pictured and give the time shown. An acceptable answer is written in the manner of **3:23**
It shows **7:47**
